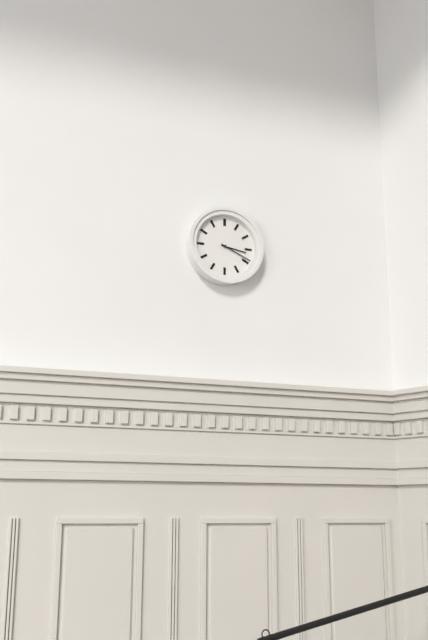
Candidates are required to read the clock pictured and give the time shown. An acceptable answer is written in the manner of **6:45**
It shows **3:19**
